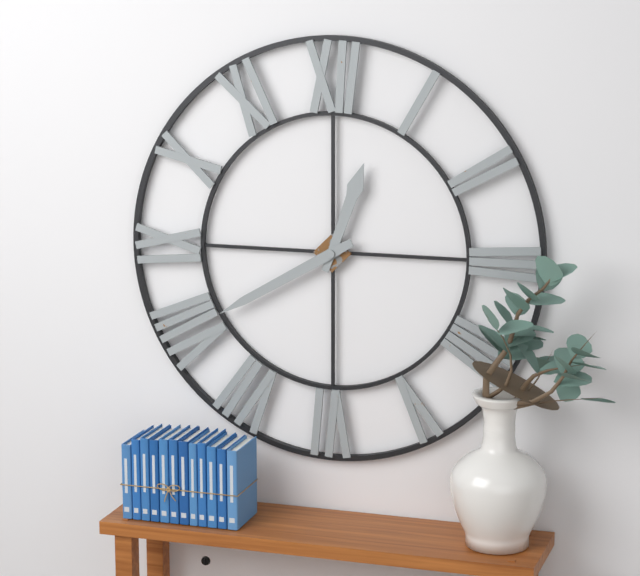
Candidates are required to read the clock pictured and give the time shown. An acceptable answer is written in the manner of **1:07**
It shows **12:40**
